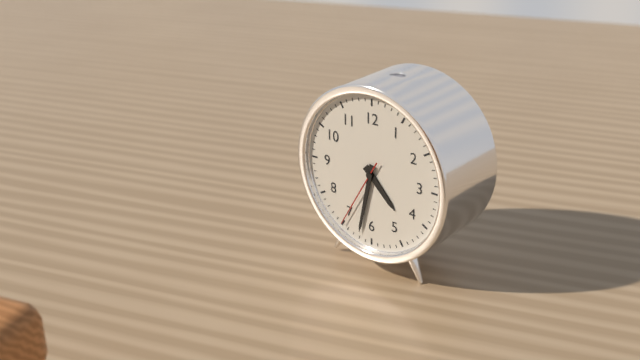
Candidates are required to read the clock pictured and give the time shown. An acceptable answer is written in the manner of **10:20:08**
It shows **4:32:35**
